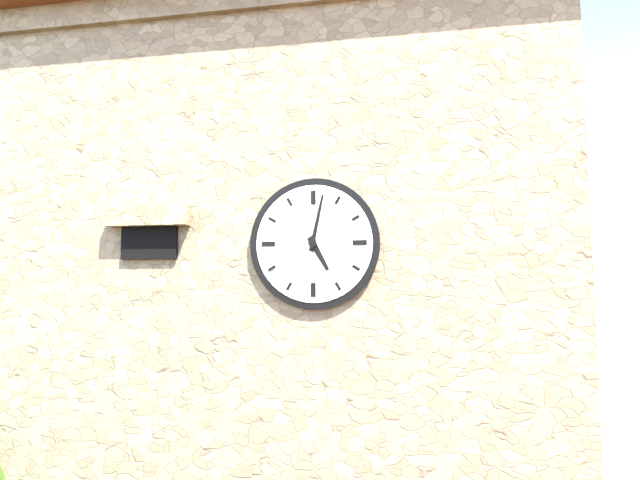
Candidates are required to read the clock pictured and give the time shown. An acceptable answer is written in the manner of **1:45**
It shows **5:02**
